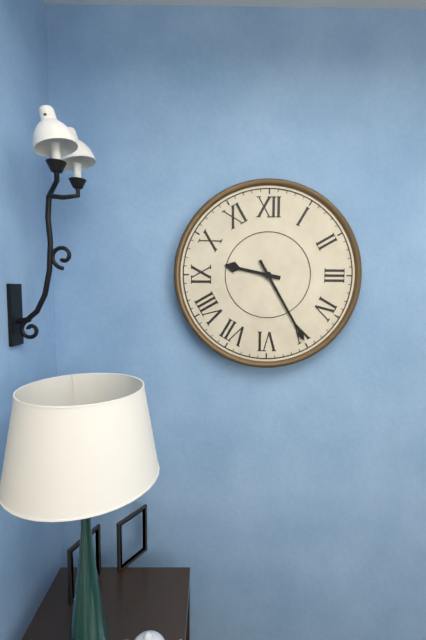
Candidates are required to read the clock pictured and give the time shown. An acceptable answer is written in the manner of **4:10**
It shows **9:25**
